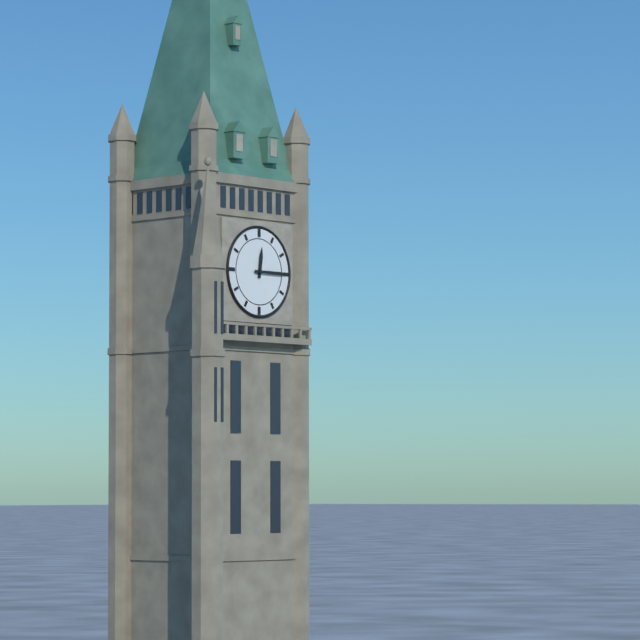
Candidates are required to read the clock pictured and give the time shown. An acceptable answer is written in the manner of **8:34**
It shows **12:15**
